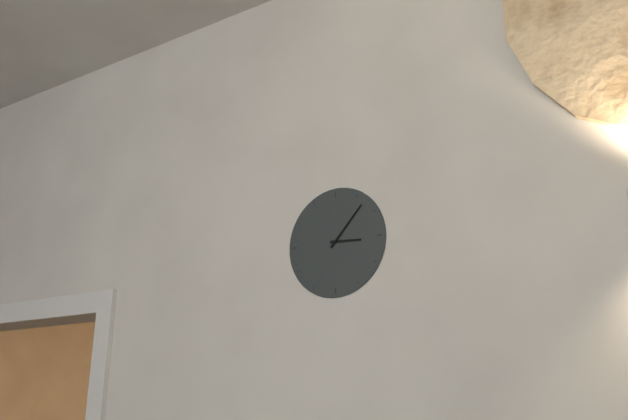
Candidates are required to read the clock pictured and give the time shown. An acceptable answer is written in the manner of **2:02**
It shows **3:07**
